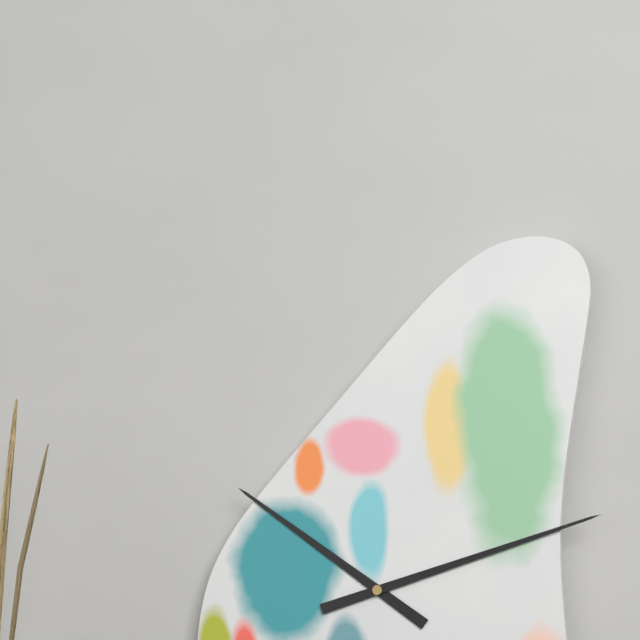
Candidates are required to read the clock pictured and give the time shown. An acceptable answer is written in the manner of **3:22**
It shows **10:12**
